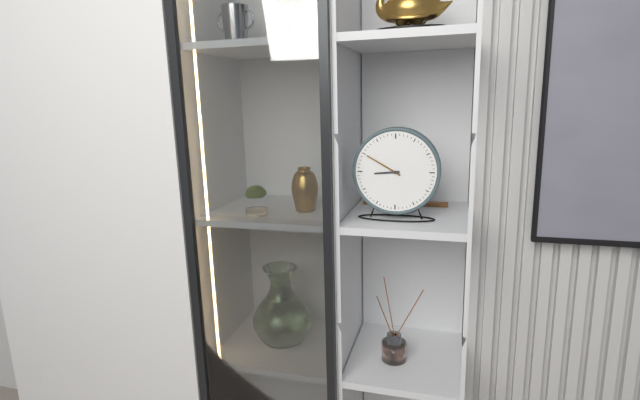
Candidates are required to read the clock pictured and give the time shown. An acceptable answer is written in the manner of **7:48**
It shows **8:50**
